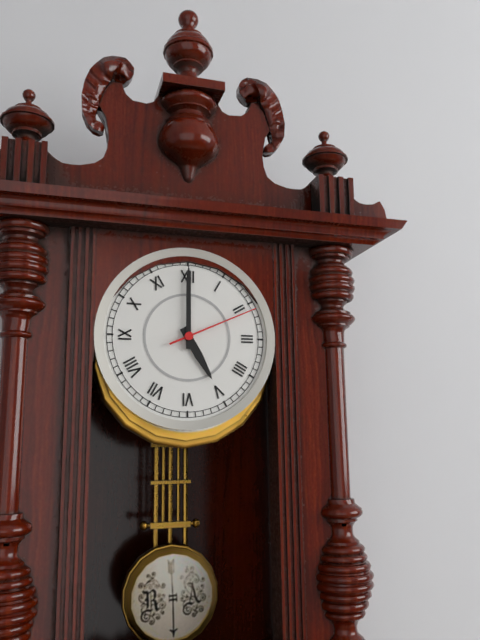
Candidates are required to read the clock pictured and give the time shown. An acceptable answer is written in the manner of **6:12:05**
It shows **5:00:11**
